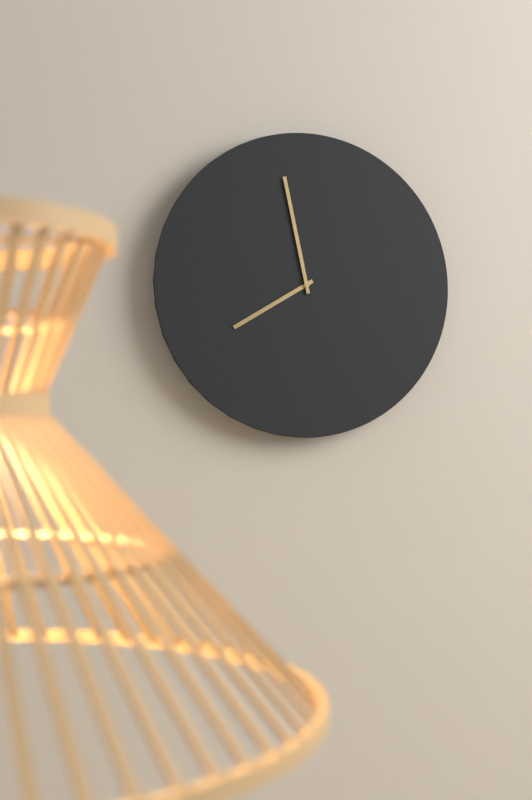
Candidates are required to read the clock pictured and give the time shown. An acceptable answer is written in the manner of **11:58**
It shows **7:58**
